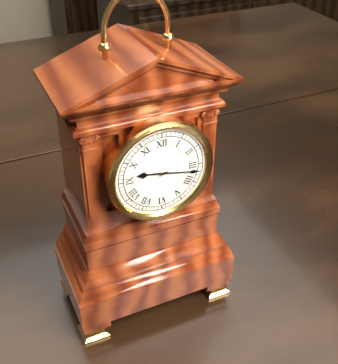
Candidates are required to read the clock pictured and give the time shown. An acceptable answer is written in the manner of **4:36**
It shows **9:17**
